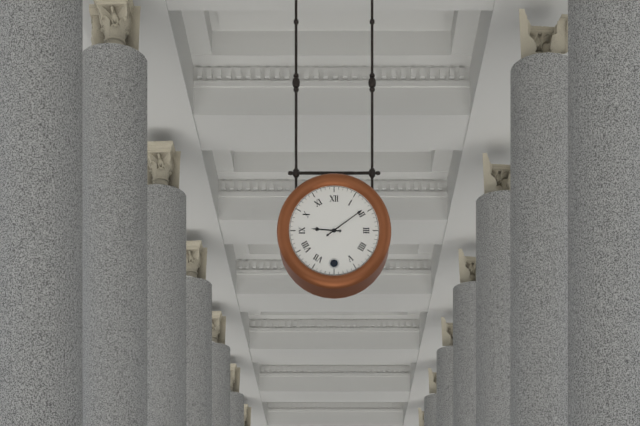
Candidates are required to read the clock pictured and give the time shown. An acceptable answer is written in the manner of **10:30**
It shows **9:09**
